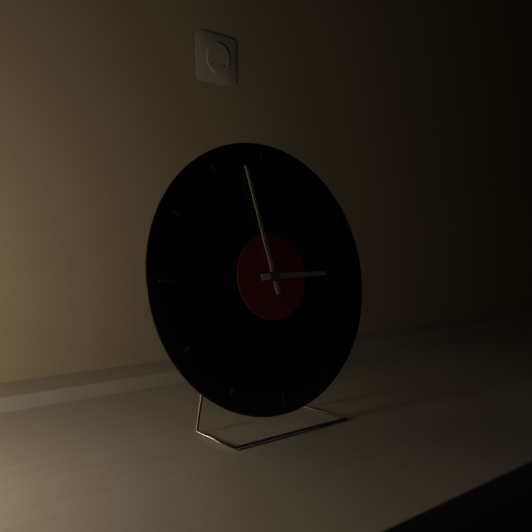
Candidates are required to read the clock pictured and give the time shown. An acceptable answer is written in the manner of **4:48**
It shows **2:58**
